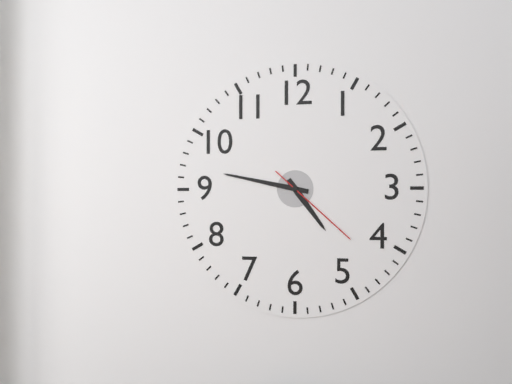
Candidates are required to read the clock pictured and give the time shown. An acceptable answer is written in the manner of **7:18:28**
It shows **4:47:22**
